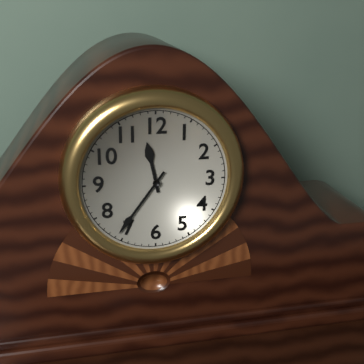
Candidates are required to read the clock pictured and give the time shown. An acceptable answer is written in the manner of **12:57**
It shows **11:36**
